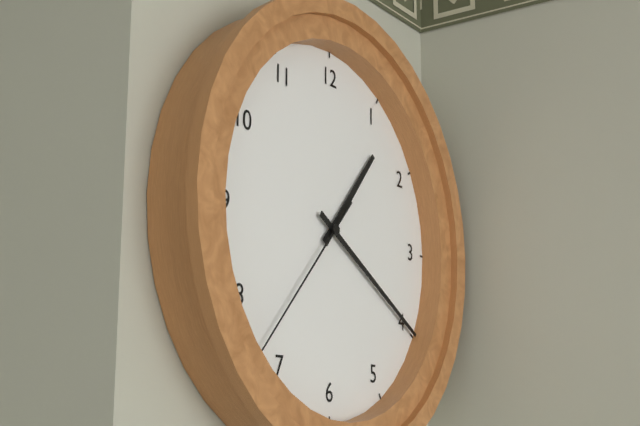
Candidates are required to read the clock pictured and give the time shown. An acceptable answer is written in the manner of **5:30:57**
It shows **1:20:37**
